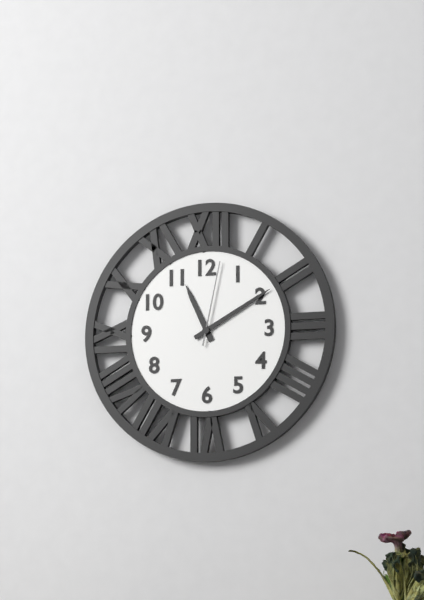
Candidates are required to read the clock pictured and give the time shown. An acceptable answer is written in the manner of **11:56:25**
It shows **11:10:02**
